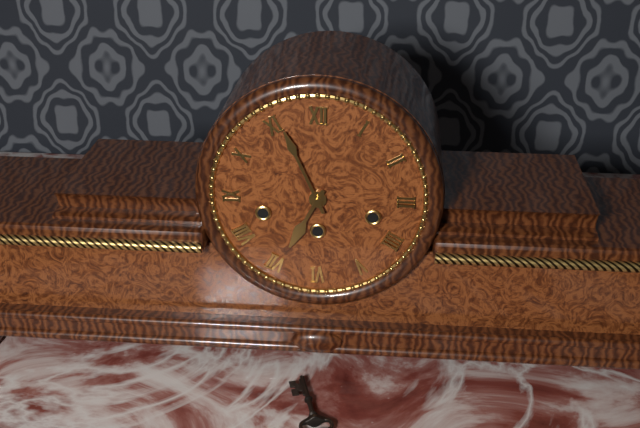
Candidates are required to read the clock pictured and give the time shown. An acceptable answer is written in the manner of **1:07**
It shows **6:56**
